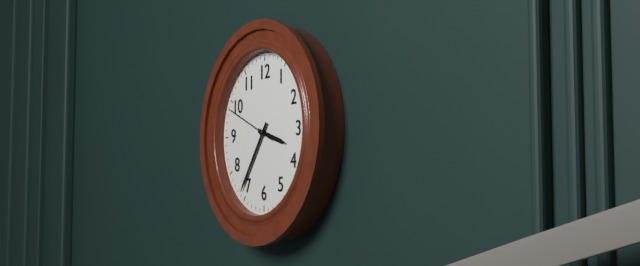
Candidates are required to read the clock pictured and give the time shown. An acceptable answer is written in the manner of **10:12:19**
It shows **3:36:49**
